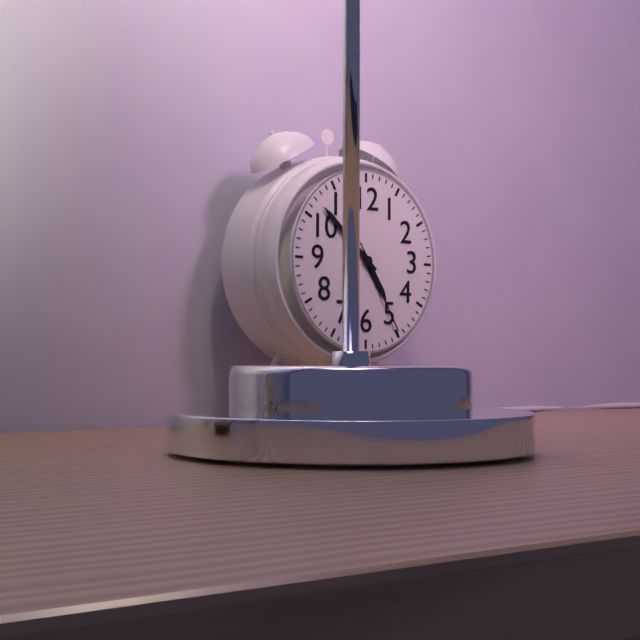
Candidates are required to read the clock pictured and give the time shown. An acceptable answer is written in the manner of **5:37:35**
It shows **4:52:25**
